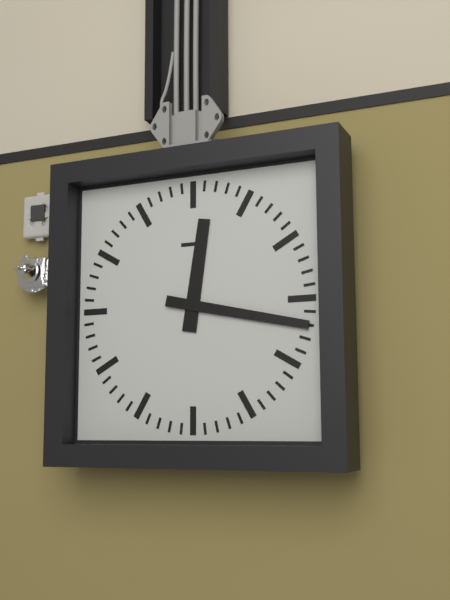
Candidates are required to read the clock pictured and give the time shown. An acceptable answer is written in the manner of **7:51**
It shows **12:17**
